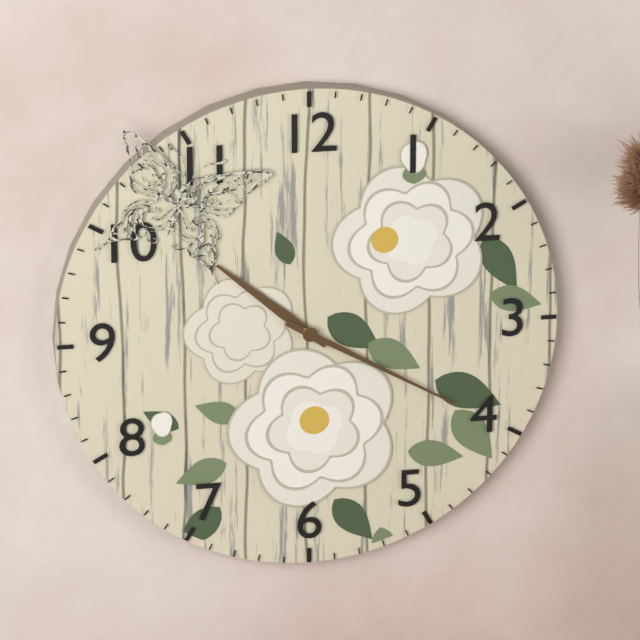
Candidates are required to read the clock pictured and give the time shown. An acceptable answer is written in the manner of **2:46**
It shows **10:20**
